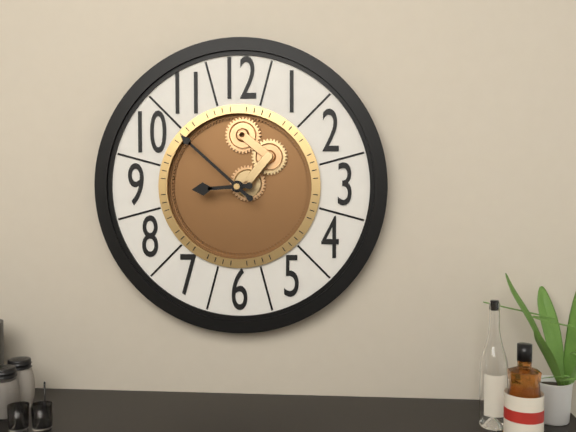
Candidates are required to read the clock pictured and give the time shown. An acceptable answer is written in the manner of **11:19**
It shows **8:52**
